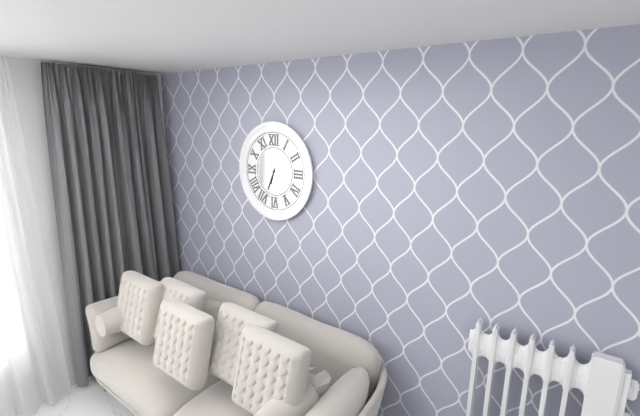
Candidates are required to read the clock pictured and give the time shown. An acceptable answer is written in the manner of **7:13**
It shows **6:34**
